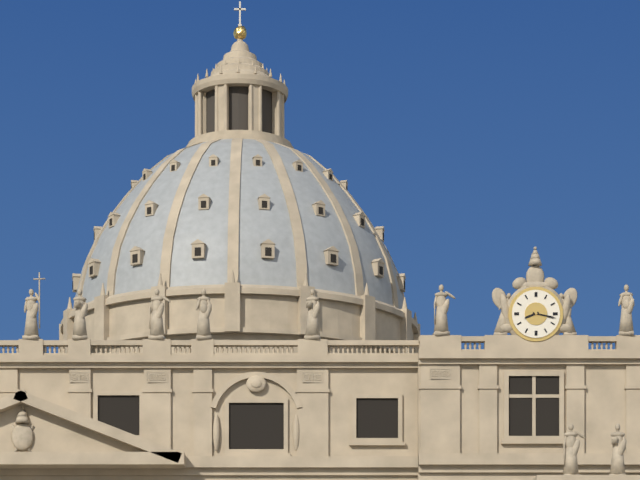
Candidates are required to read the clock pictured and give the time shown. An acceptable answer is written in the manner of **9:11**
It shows **8:17**
